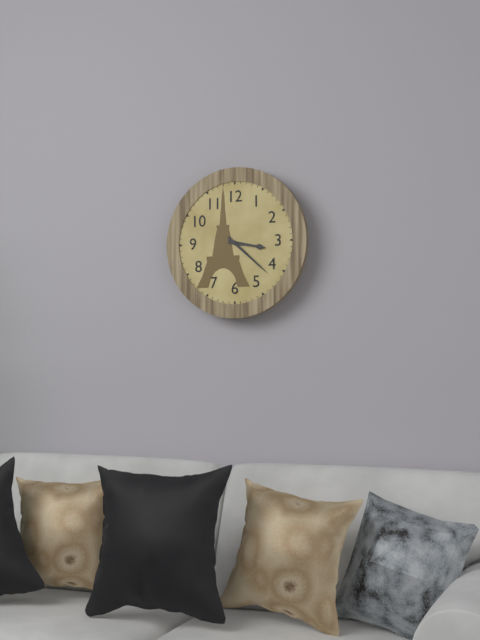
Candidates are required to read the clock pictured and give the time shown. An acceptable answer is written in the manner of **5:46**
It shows **3:22**
